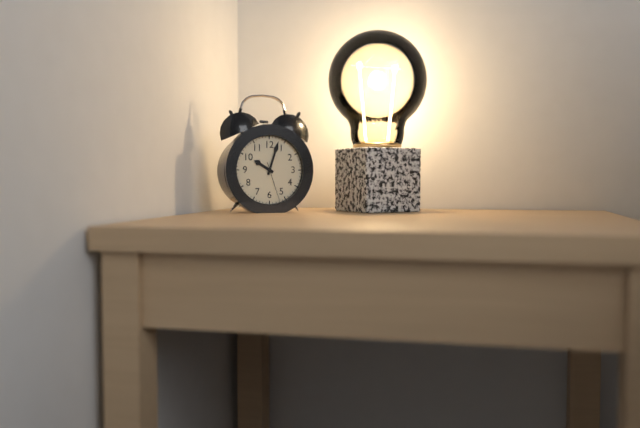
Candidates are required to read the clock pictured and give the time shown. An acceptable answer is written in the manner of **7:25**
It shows **10:03**
